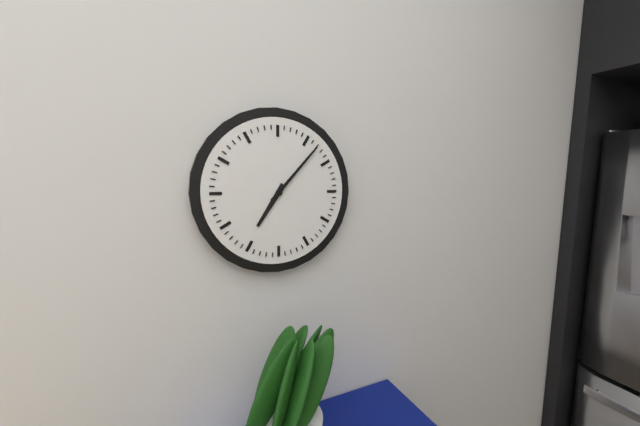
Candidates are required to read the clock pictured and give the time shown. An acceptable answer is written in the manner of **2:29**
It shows **7:07**
